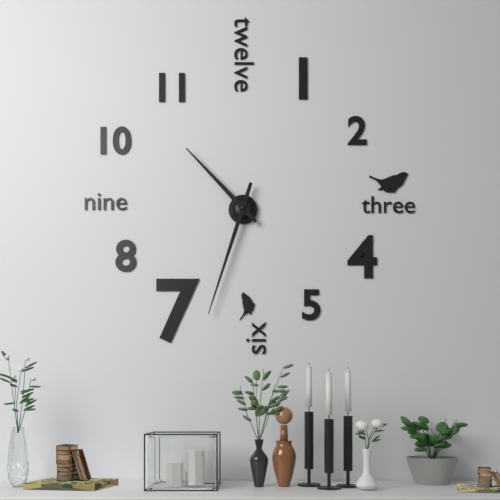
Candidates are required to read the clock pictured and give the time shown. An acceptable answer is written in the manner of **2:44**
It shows **10:33**
